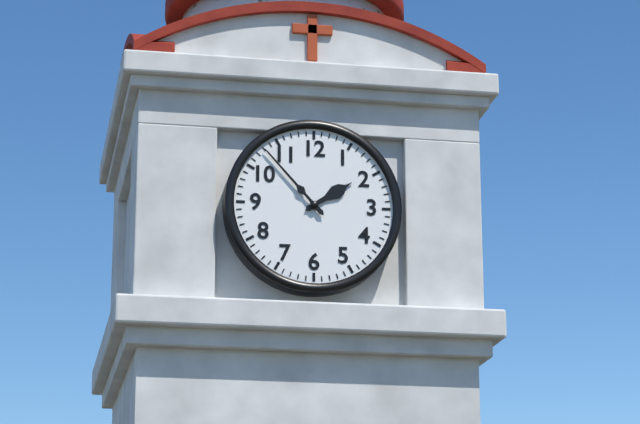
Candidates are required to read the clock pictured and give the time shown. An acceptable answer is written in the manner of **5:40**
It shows **1:53**
